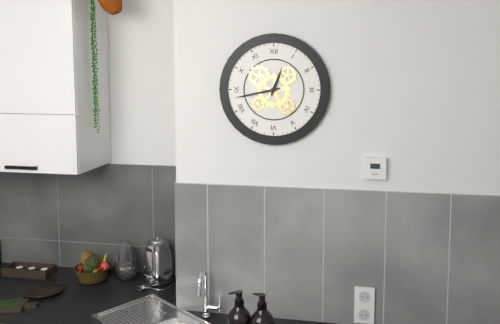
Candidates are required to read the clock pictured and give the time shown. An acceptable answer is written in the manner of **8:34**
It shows **12:43**
